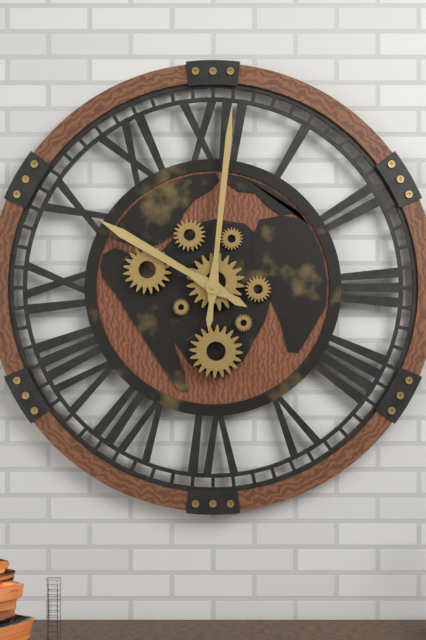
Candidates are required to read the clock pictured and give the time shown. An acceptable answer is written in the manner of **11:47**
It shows **10:01**
